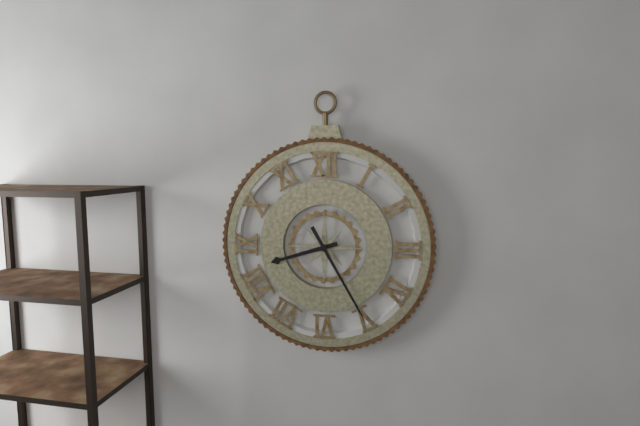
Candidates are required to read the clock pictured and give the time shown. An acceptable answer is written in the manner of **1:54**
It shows **8:25**
